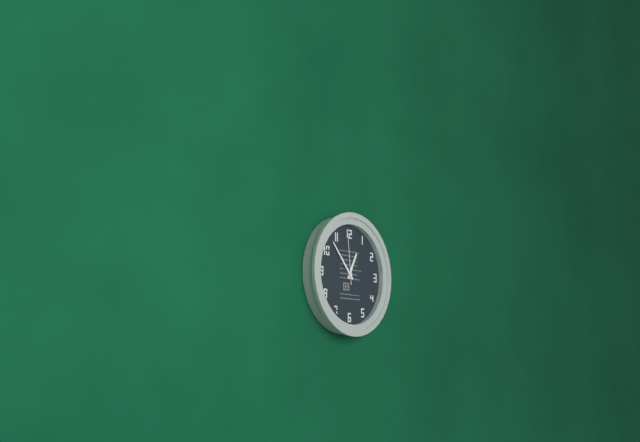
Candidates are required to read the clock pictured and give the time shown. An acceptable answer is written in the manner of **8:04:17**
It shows **12:53:59**
